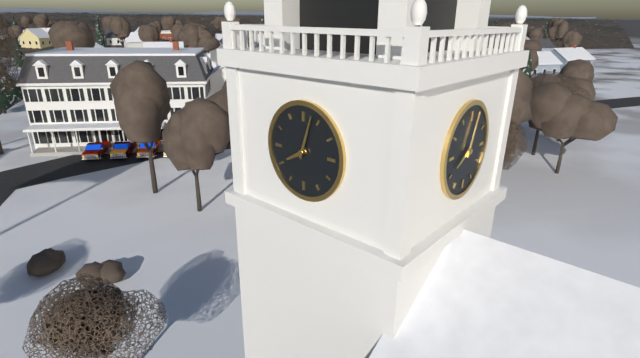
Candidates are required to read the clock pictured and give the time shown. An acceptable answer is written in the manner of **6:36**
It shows **8:03**
